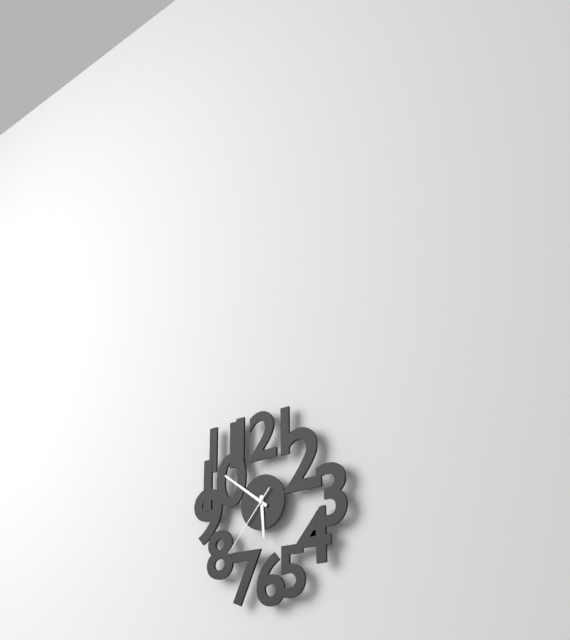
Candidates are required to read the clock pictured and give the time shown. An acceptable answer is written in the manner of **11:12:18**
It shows **5:51:37**
